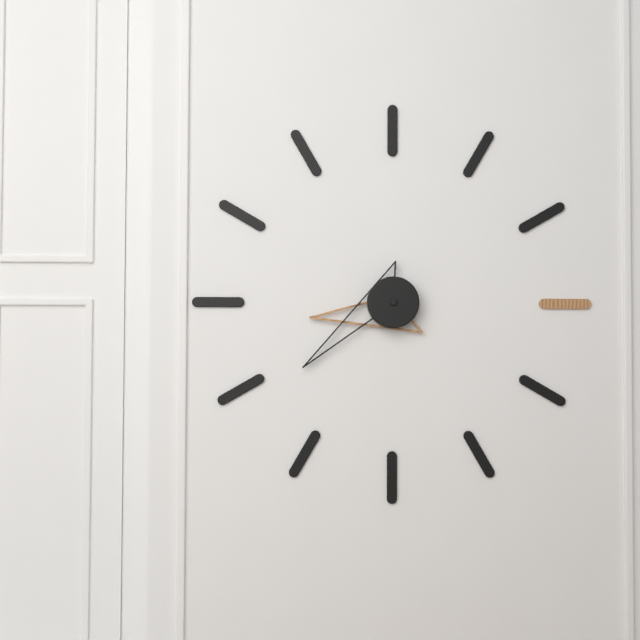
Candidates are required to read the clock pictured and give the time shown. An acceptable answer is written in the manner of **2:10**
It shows **8:39**
